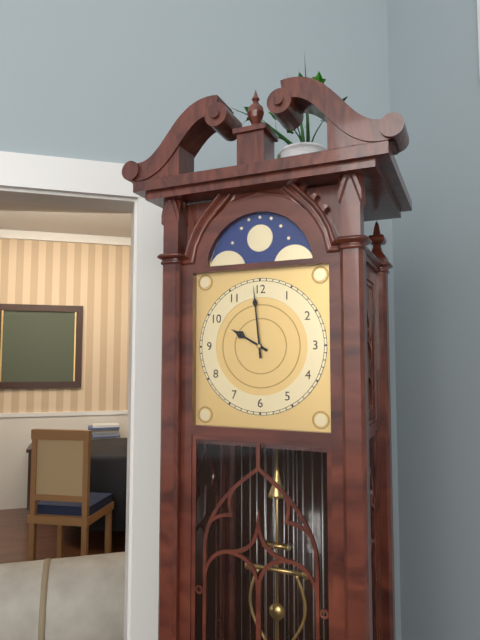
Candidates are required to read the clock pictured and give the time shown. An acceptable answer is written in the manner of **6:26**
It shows **9:59**
